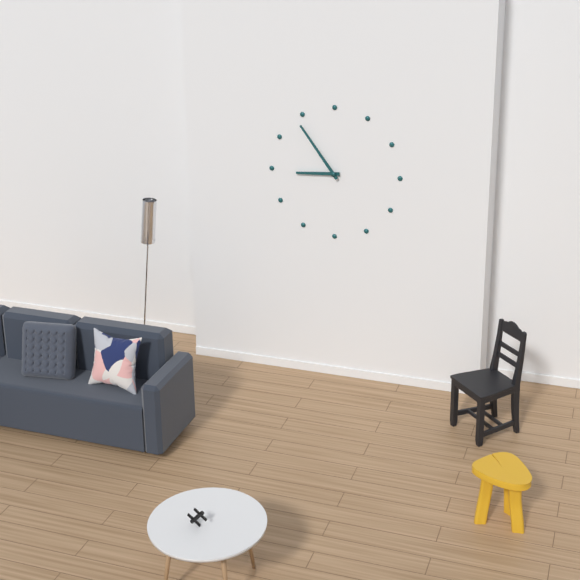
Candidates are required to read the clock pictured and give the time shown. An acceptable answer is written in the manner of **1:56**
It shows **8:54**
